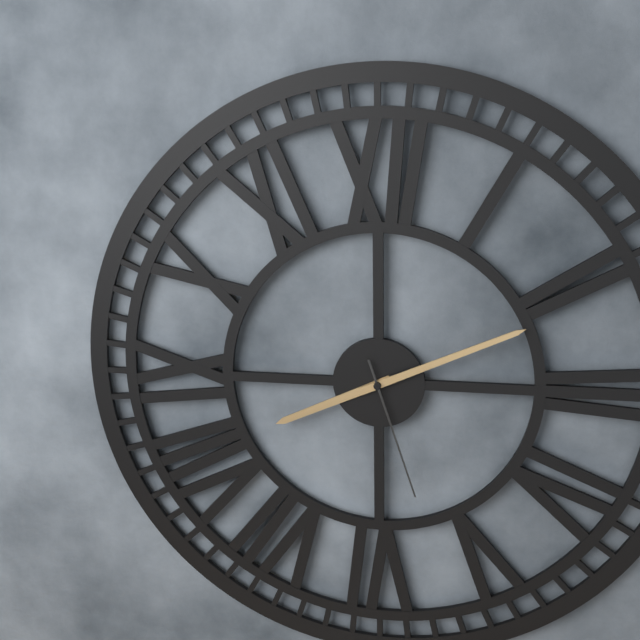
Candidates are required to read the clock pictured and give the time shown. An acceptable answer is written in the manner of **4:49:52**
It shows **8:11:27**
